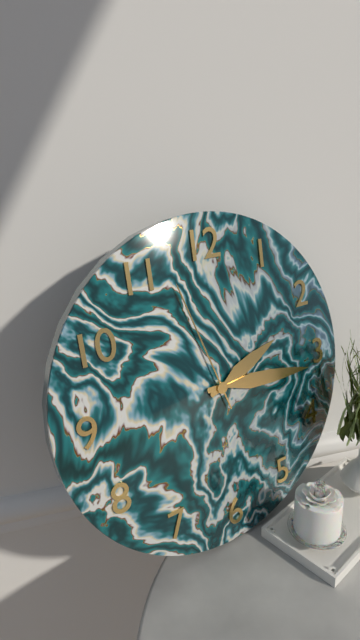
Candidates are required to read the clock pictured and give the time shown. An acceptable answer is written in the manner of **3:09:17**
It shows **2:16:57**
